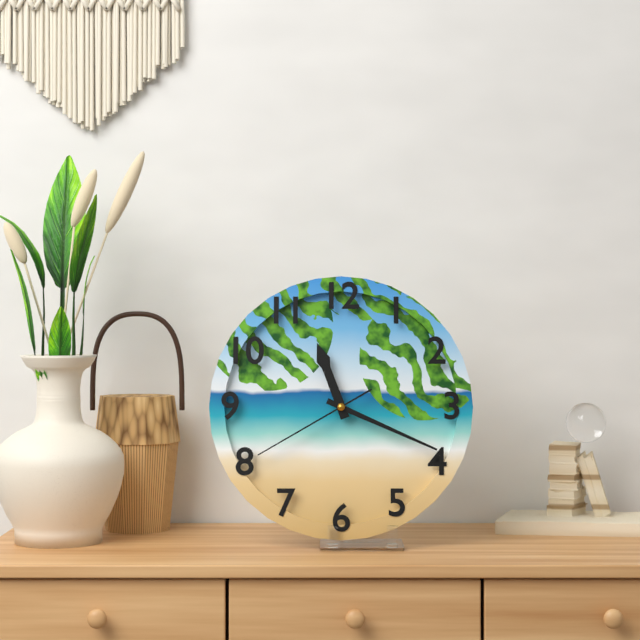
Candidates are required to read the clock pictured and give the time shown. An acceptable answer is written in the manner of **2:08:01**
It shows **11:19:40**
